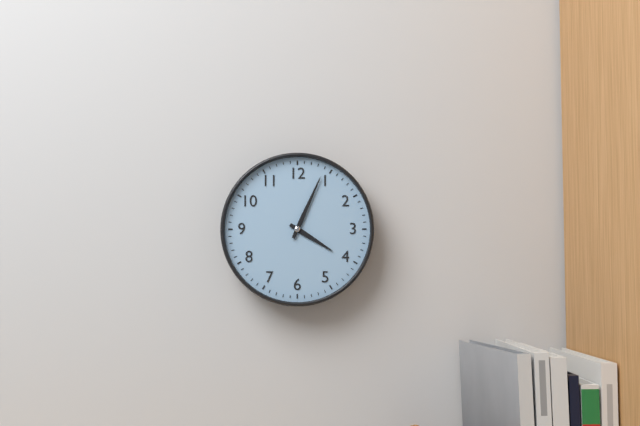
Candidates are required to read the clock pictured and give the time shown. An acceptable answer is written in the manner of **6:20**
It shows **4:04**
